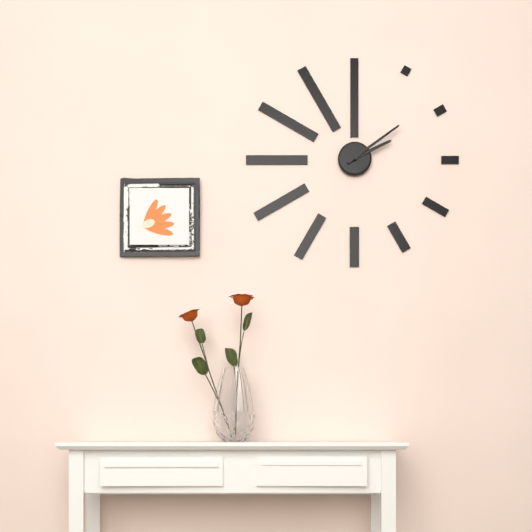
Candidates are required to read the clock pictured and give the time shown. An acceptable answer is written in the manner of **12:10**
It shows **2:09**
